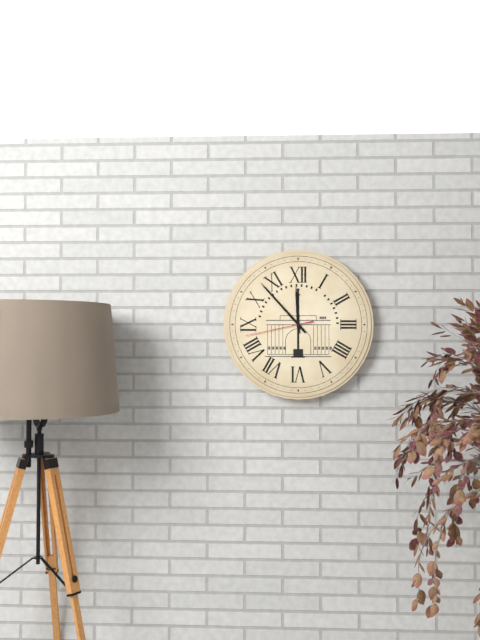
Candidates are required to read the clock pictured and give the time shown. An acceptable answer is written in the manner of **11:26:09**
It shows **11:53:43**
